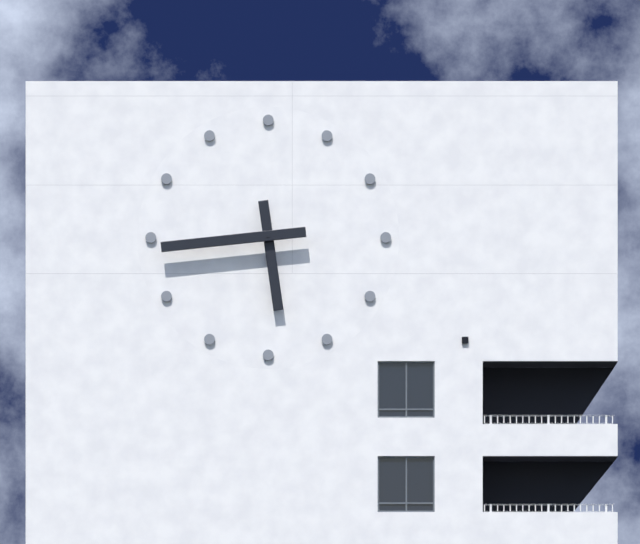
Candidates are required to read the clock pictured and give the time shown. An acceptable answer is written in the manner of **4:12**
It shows **5:44**
